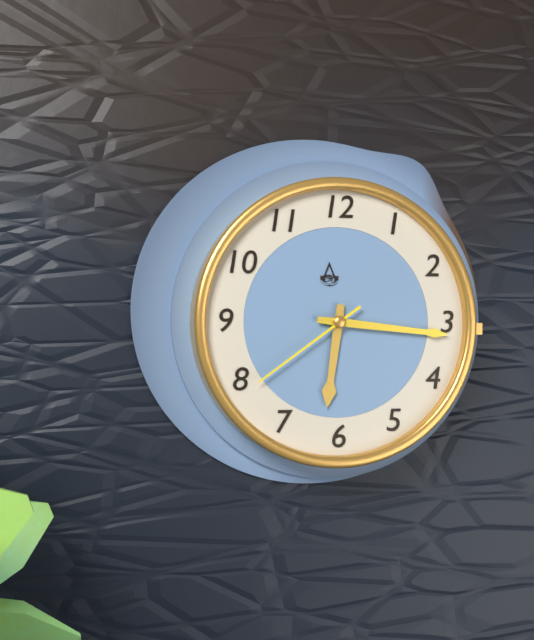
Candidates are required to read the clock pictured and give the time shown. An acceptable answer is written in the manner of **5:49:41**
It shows **6:16:39**
